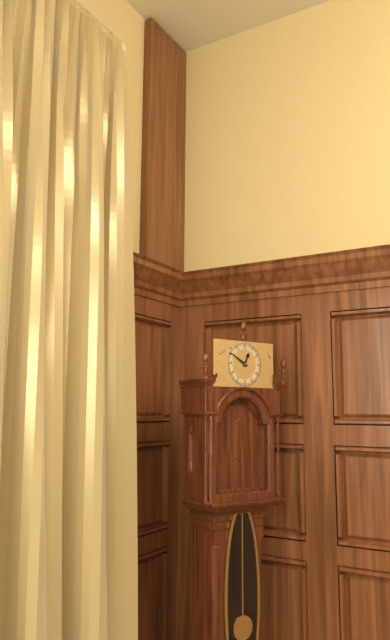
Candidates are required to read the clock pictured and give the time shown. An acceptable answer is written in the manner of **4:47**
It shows **12:50**
